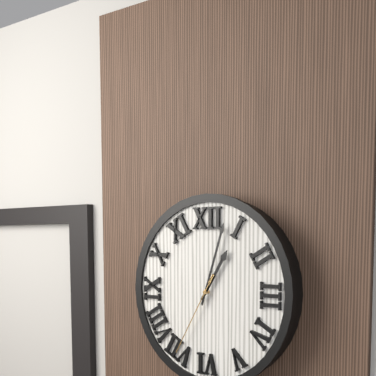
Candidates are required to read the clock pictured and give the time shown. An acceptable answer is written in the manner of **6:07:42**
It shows **1:03:35**
